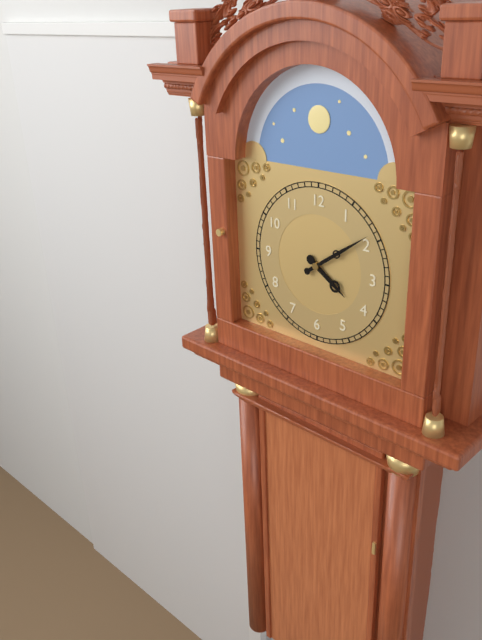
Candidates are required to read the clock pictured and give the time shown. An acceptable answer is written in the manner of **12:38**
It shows **4:09**
